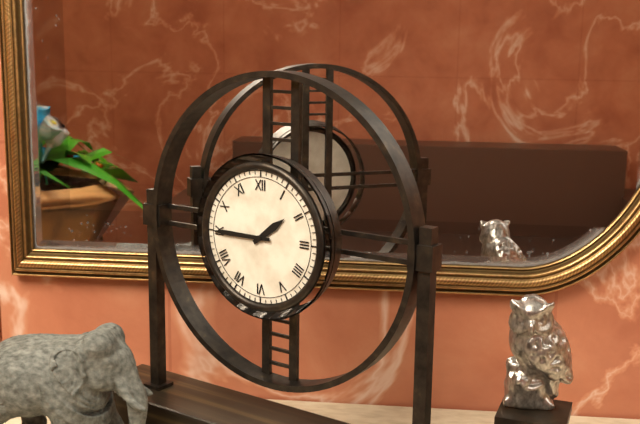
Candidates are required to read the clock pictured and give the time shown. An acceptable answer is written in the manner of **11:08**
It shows **1:45**
